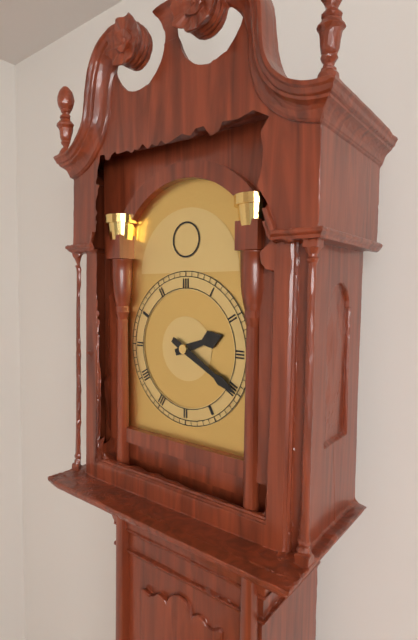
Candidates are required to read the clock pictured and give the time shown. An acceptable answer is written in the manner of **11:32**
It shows **2:20**
